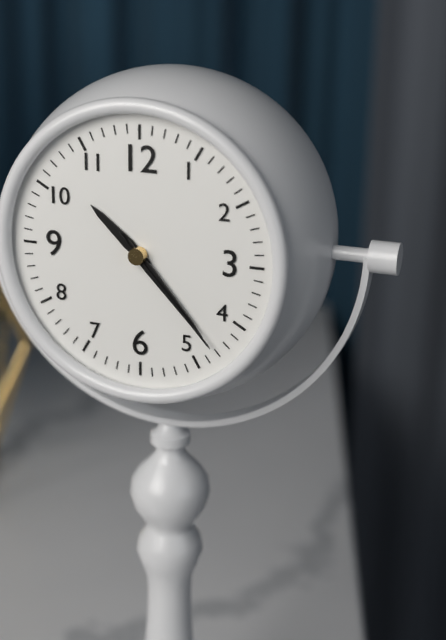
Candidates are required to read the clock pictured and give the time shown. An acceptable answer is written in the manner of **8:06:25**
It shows **10:23:23**
